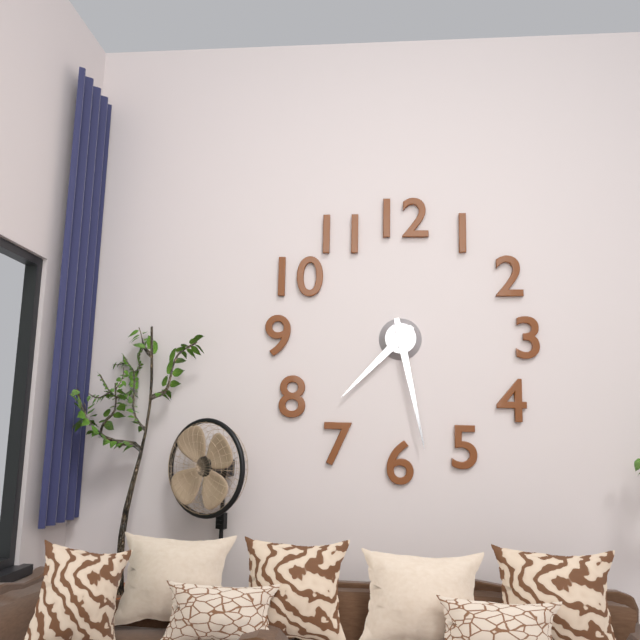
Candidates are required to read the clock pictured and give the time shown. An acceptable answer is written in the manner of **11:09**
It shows **7:28**
